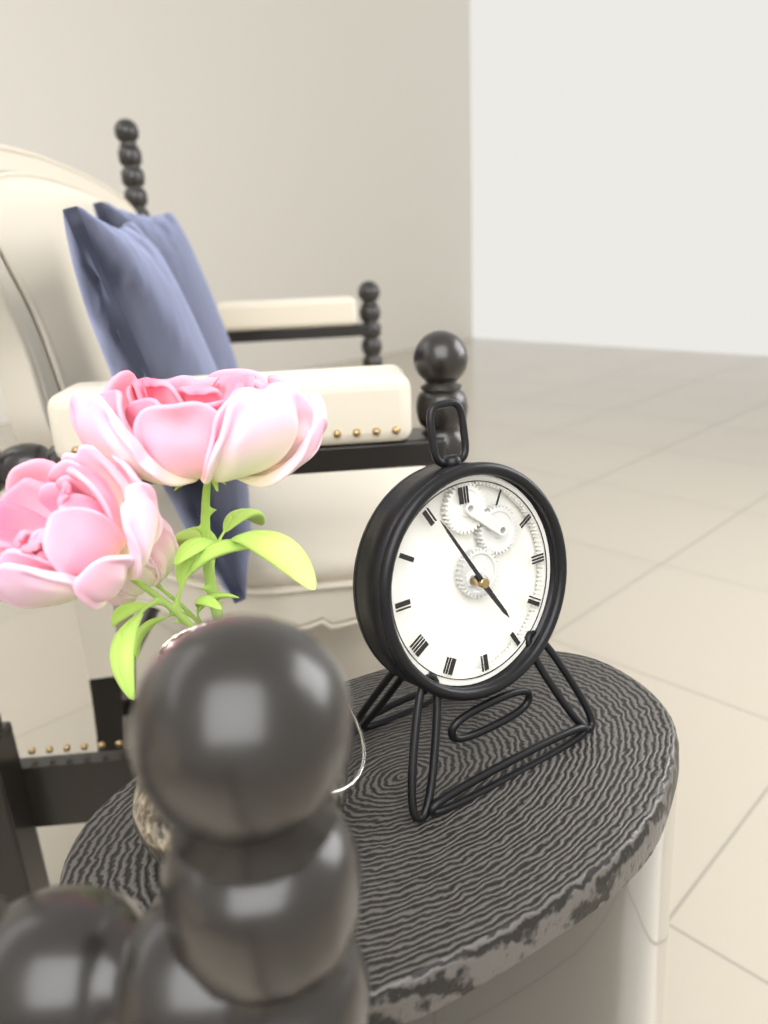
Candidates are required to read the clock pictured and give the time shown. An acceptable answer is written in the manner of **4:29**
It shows **4:55**
